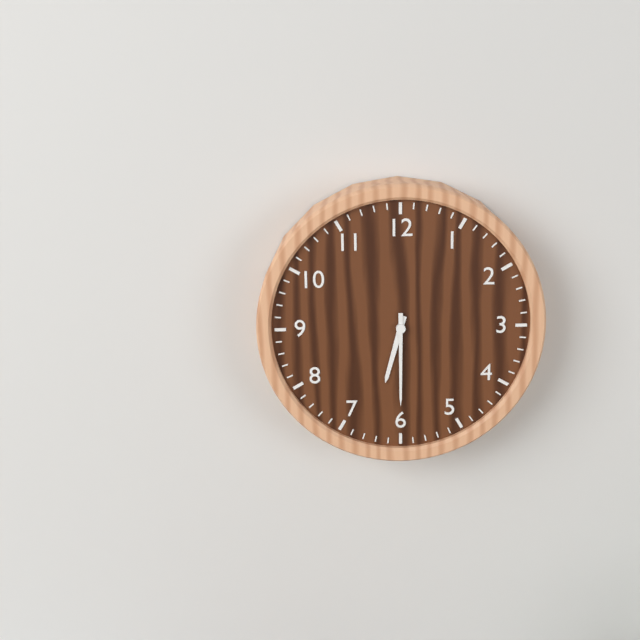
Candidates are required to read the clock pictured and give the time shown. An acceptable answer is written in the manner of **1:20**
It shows **6:30**
